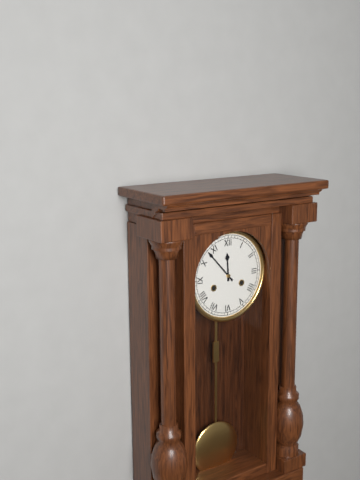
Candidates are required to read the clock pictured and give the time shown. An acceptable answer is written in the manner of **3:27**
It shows **11:53**
